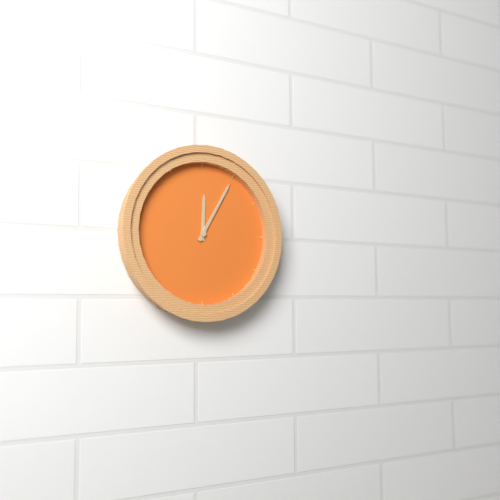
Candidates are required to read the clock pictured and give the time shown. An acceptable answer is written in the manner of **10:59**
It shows **12:05**
